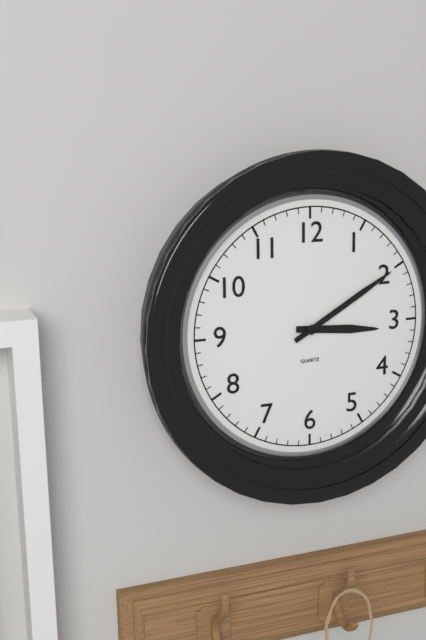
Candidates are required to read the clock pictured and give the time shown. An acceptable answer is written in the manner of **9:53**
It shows **3:10**
